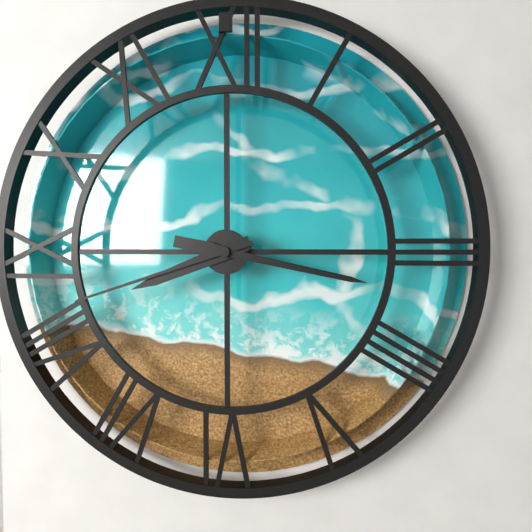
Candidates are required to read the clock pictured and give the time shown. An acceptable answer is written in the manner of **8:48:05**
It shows **8:17:42**
